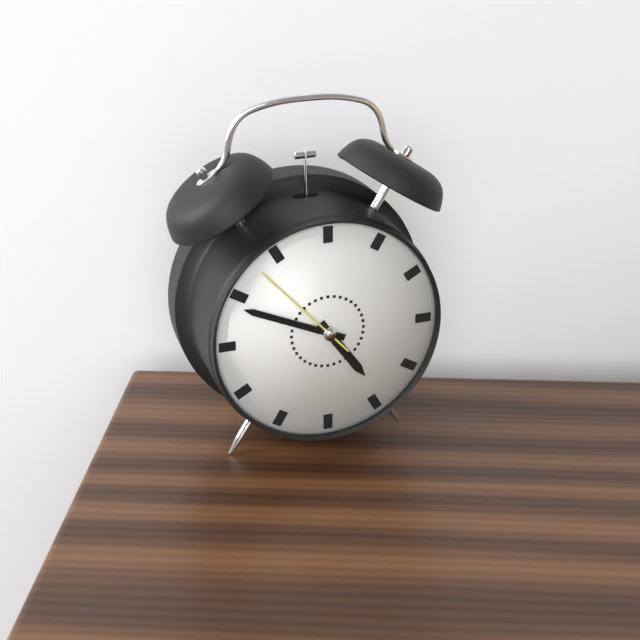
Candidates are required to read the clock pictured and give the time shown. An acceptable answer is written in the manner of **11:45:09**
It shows **4:49:53**
